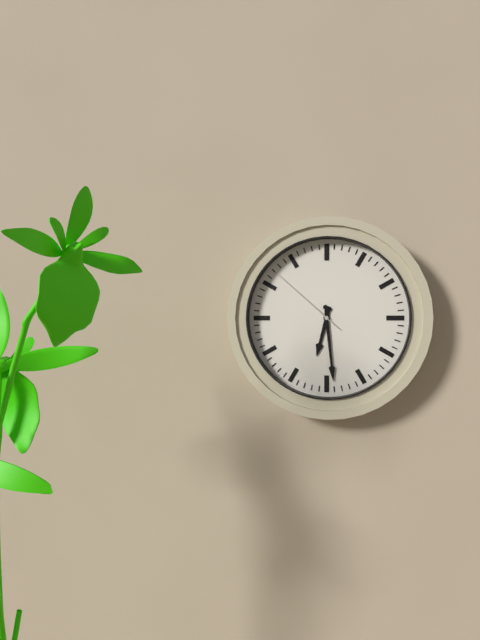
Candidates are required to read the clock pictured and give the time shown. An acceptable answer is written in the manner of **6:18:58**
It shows **6:29:52**
